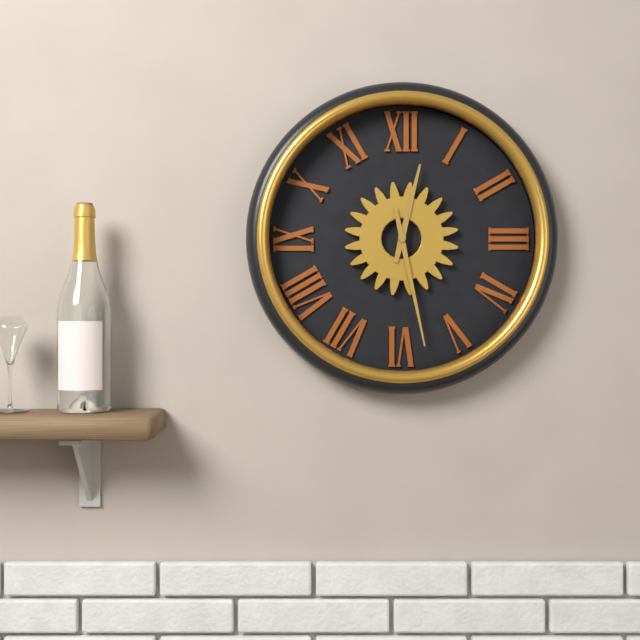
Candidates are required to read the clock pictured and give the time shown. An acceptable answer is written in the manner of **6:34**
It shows **12:28**
